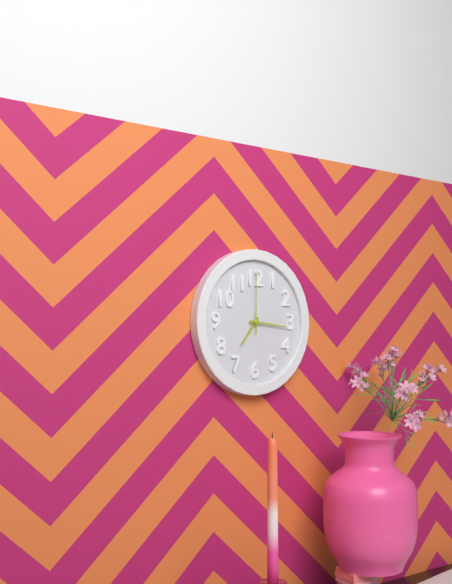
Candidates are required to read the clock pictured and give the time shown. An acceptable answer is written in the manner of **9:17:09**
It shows **7:16:00**
